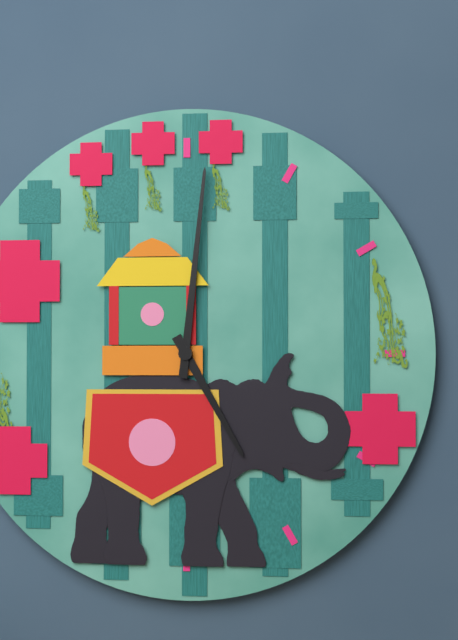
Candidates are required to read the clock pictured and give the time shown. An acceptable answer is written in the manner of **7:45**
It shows **5:01**
